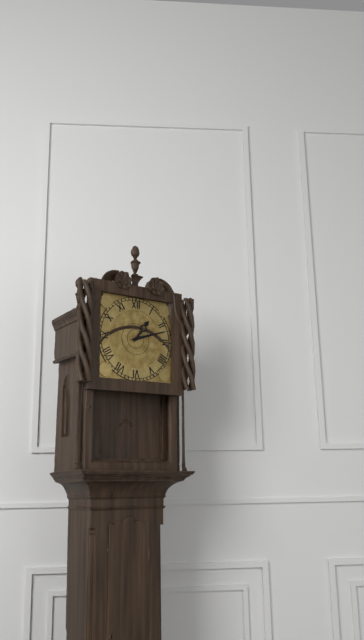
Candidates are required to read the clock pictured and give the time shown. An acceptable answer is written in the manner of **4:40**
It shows **1:12**
